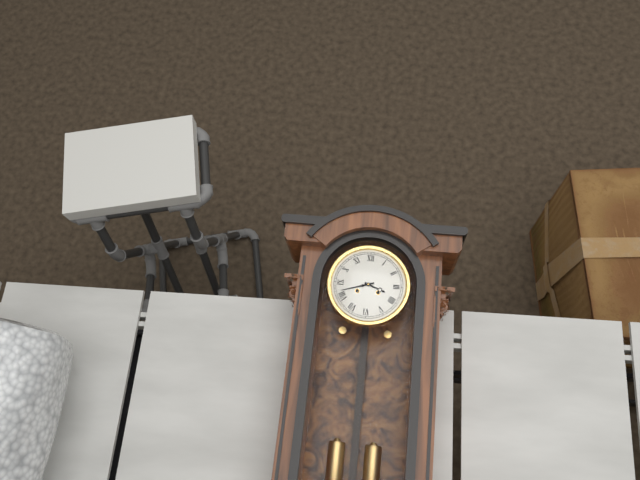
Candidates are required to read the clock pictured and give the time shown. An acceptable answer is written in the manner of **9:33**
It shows **3:42**
